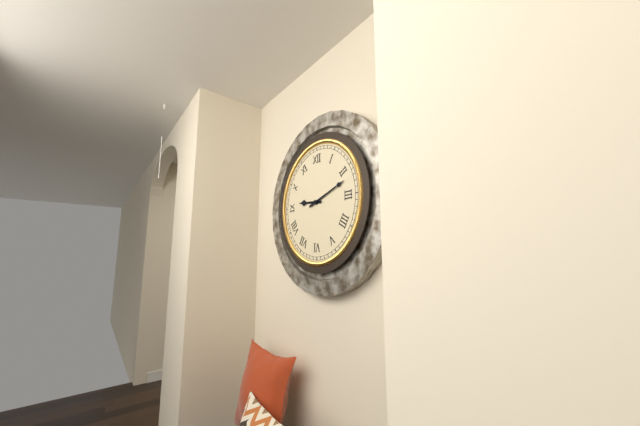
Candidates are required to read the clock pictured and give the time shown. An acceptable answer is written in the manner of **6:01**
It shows **9:12**
